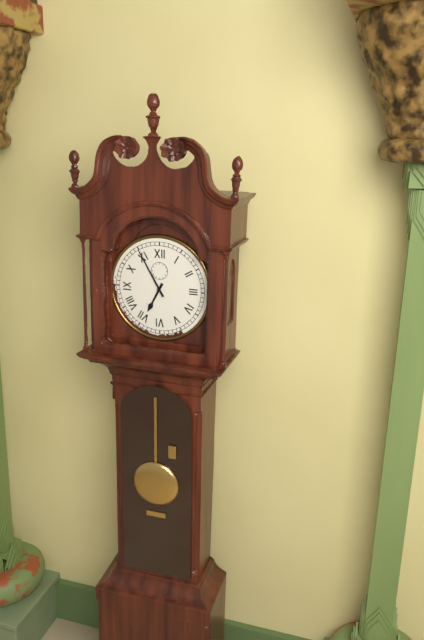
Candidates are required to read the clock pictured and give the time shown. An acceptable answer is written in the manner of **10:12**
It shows **6:55**
